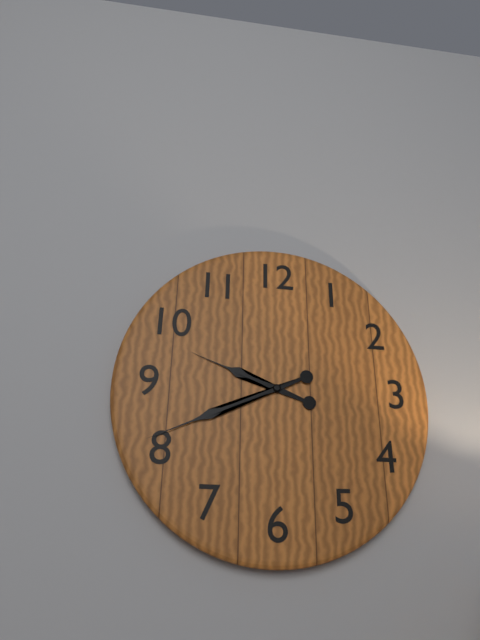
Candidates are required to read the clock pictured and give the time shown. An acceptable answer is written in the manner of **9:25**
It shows **9:41**
